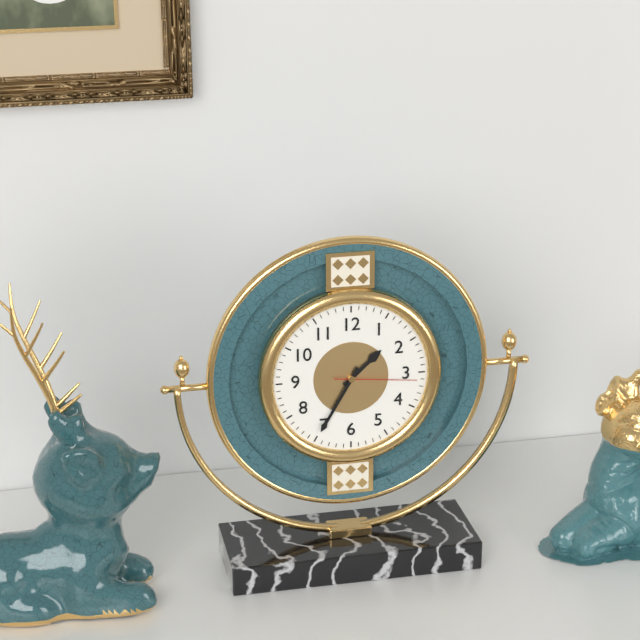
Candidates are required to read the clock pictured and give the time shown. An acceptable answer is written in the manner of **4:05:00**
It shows **1:35:16**
